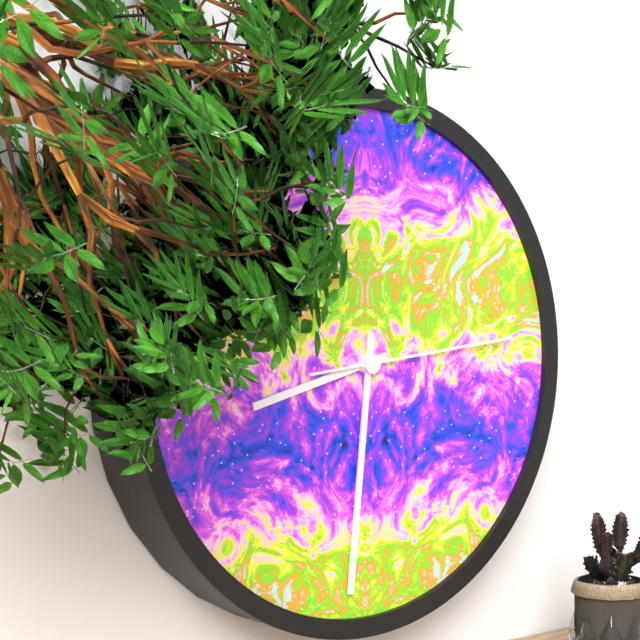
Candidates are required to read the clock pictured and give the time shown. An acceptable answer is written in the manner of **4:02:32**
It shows **8:31:14**
